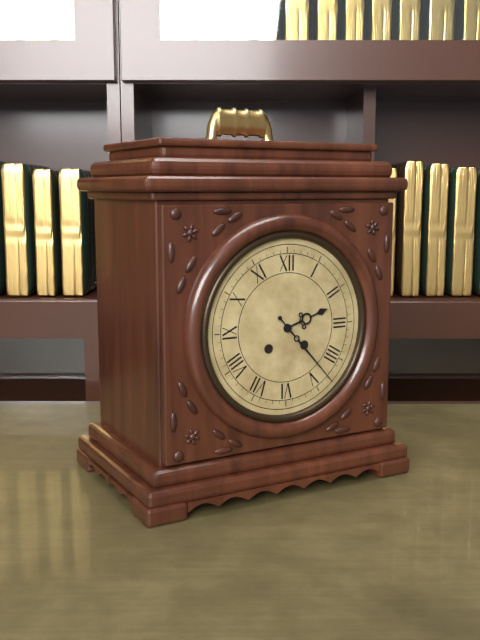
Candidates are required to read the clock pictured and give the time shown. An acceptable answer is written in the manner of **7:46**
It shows **2:23**
